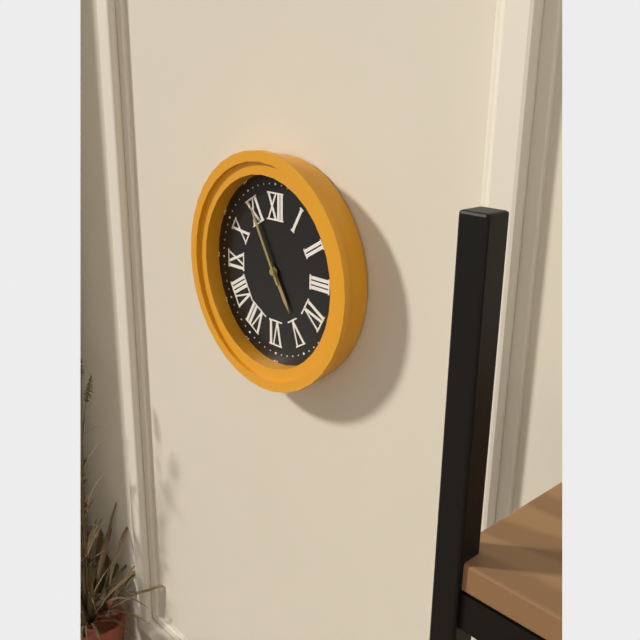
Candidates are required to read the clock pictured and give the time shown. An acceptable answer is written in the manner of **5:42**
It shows **4:55**
